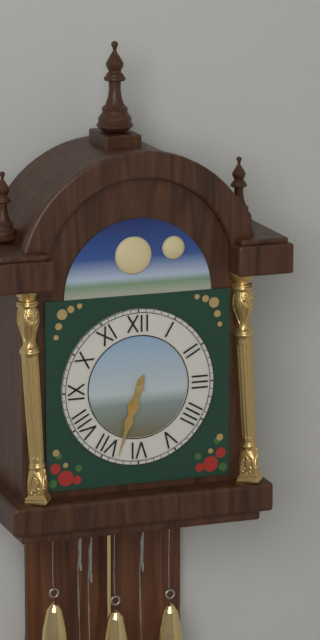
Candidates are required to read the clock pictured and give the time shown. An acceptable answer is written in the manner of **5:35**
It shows **6:33**
